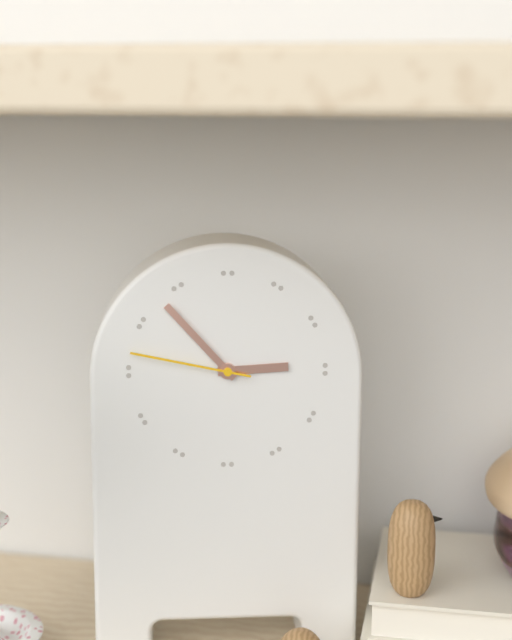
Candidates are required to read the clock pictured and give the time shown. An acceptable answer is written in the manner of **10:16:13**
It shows **2:53:47**
